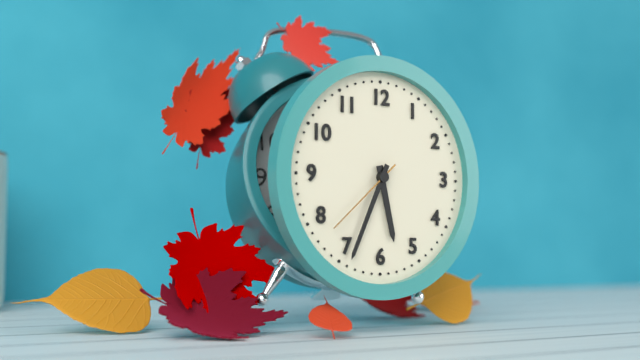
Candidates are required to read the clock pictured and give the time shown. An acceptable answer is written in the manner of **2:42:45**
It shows **5:34:38**
